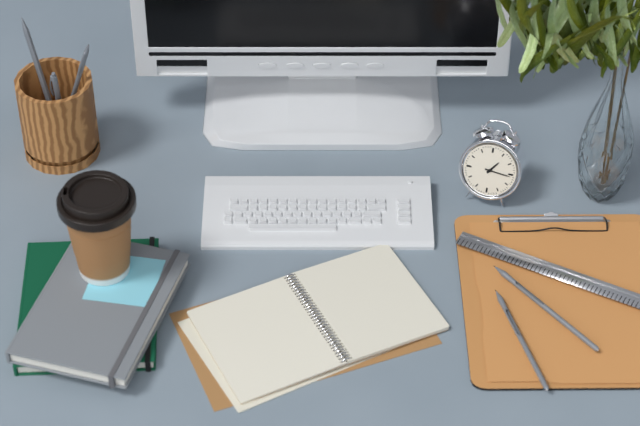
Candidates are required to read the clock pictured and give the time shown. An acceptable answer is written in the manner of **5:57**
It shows **1:16**
